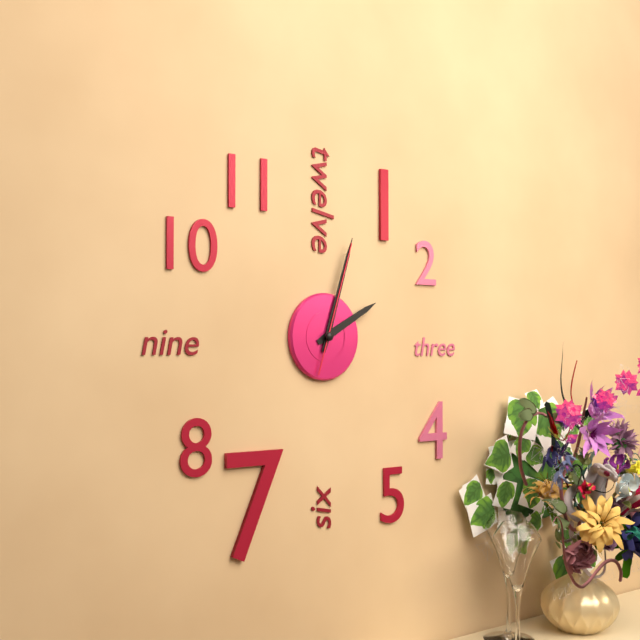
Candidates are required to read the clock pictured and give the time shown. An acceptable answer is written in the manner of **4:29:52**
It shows **2:03:03**
